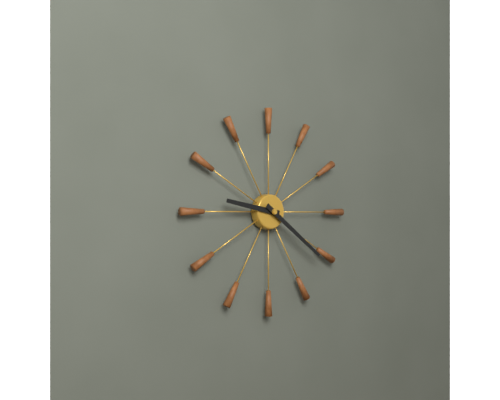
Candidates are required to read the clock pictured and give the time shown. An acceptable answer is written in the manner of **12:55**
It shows **9:21**
